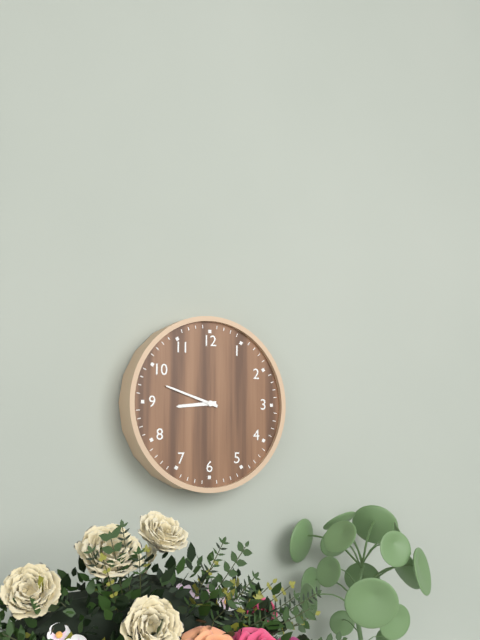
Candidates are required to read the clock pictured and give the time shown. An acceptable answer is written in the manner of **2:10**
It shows **8:48**
